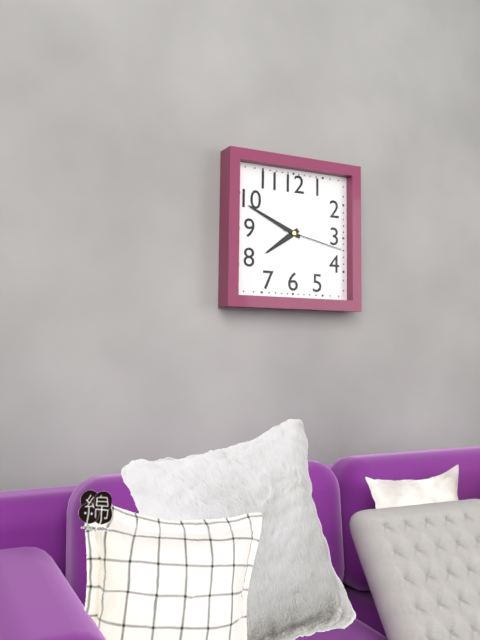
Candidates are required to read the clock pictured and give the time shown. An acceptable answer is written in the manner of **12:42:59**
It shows **7:49:17**
